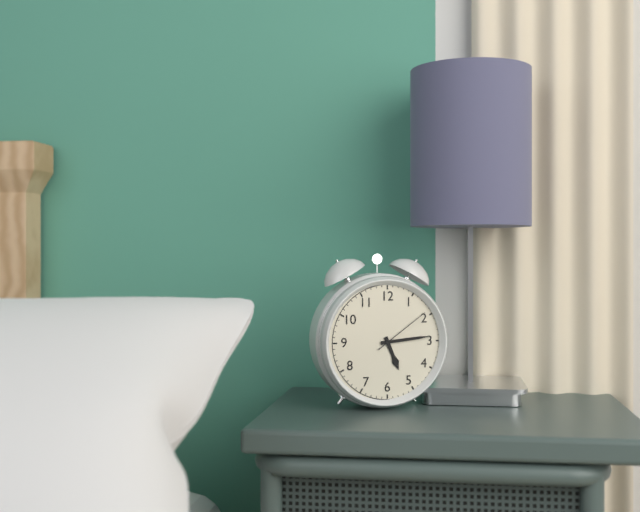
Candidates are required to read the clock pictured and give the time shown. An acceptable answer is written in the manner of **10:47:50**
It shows **5:14:09**
